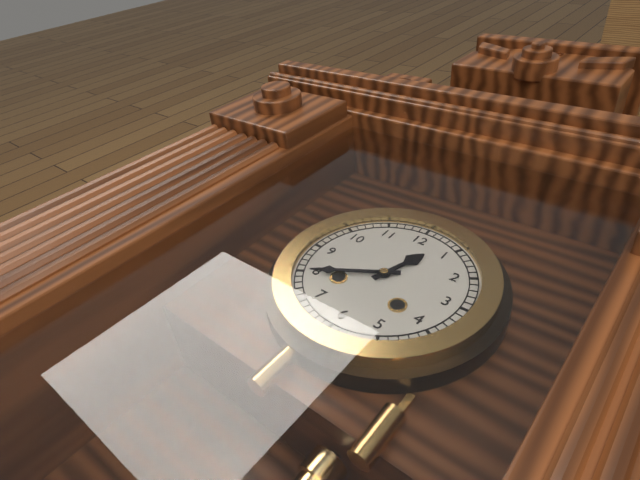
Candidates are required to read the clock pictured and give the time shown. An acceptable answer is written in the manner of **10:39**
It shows **12:40**
